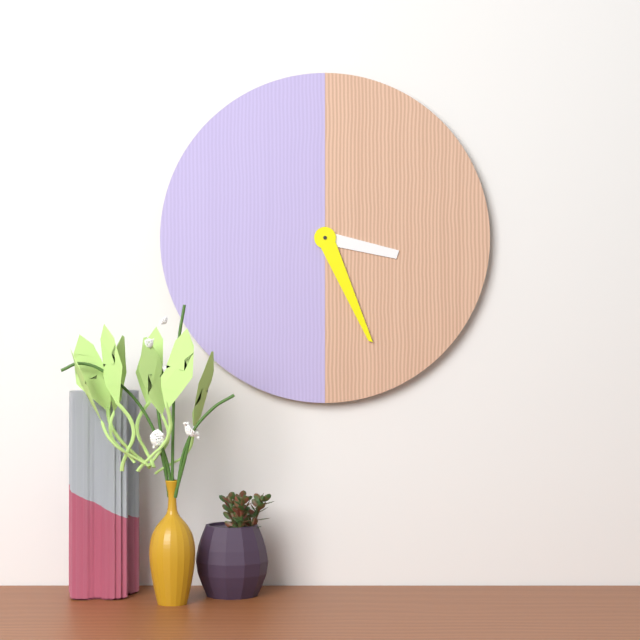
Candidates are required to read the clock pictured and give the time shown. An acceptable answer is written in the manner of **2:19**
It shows **3:26**
